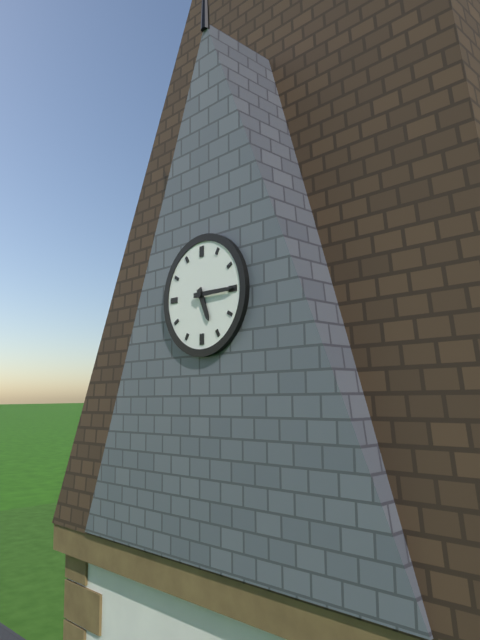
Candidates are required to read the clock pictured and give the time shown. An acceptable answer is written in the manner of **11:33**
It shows **5:15**
